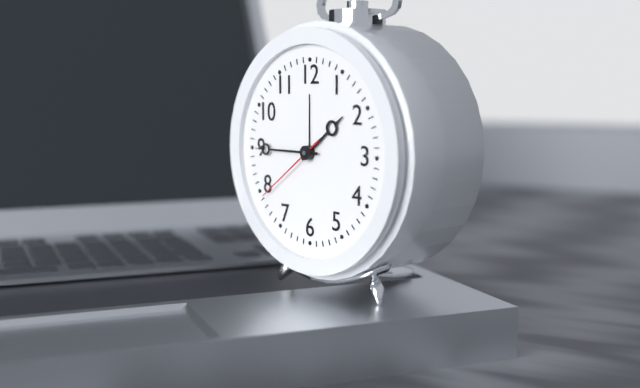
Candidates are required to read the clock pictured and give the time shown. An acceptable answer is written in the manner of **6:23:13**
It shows **1:45:39**
